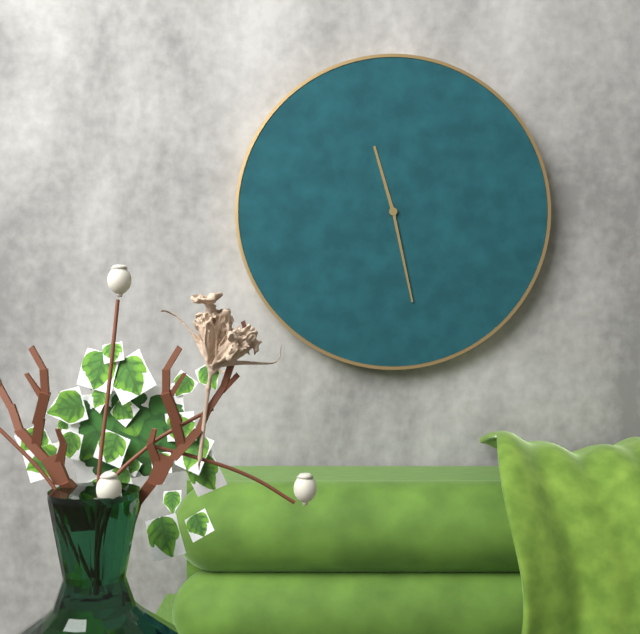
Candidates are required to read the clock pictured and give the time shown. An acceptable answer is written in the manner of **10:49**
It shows **11:28**
